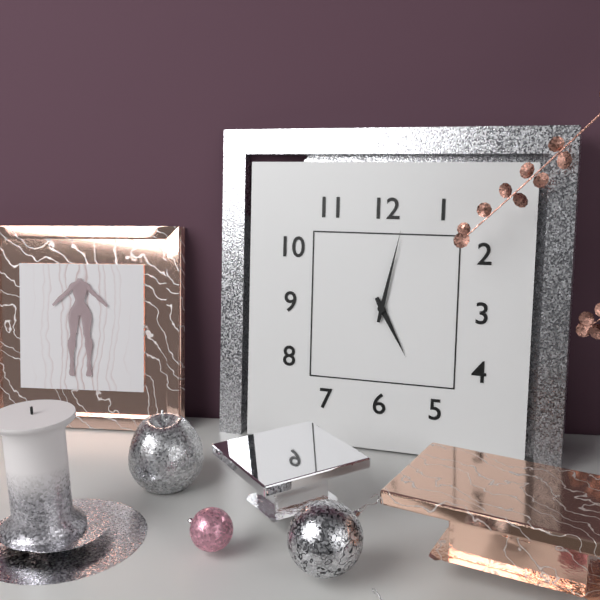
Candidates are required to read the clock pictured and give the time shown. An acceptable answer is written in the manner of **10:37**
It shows **5:02**
